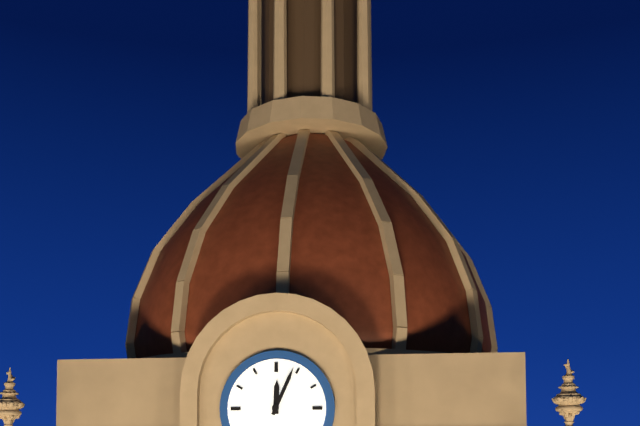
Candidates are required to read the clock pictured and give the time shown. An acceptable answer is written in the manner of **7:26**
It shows **12:04**
